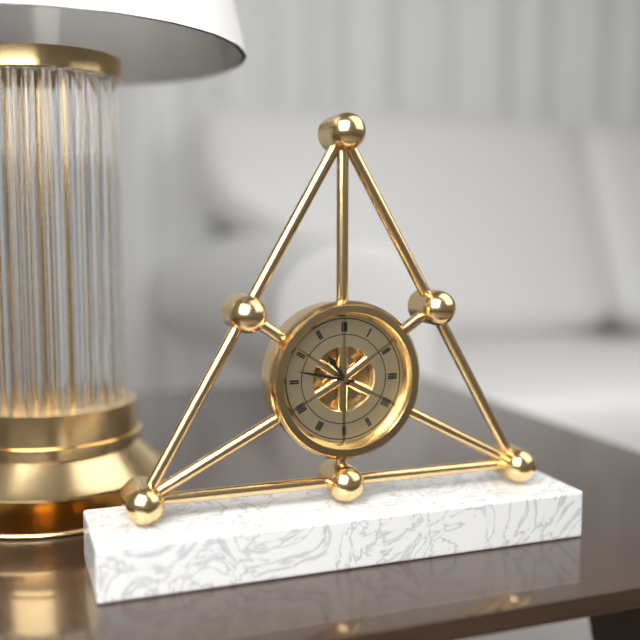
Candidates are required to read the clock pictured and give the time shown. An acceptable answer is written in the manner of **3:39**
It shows **10:47**
